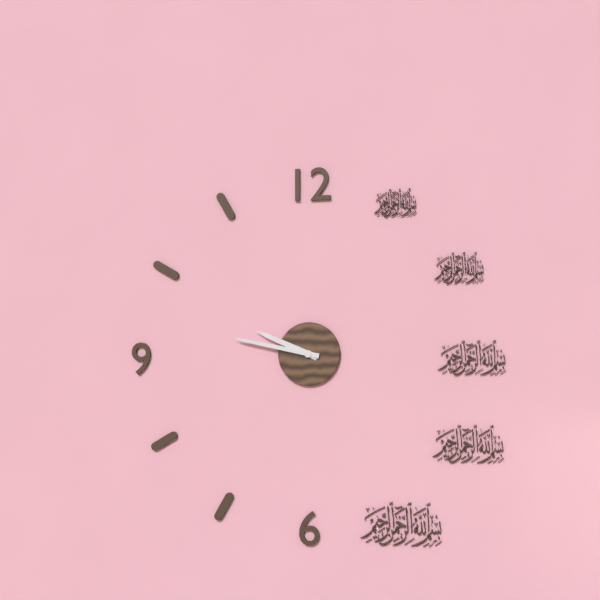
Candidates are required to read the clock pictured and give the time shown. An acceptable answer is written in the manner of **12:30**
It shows **9:47**
